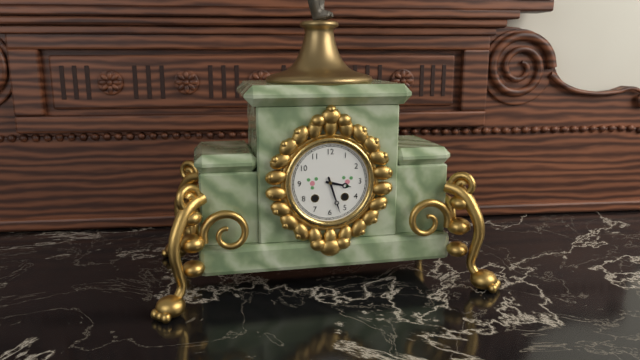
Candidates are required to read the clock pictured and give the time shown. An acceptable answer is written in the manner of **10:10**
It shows **3:27**
